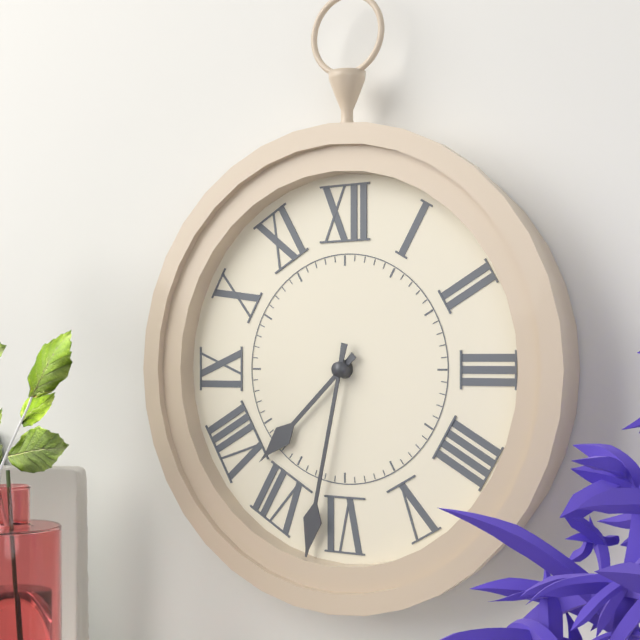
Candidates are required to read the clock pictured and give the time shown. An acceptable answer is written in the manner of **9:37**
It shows **7:32**
